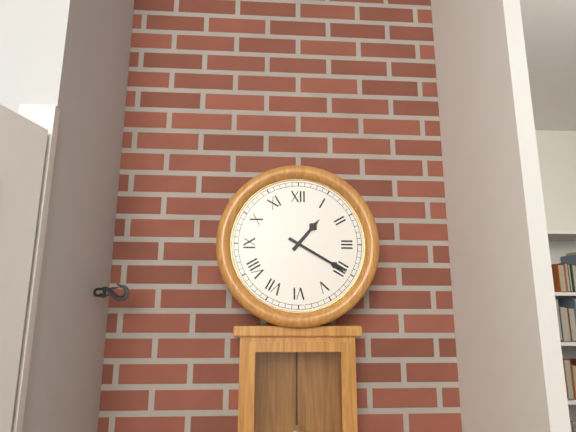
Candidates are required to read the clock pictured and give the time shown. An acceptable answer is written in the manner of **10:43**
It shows **1:20**
